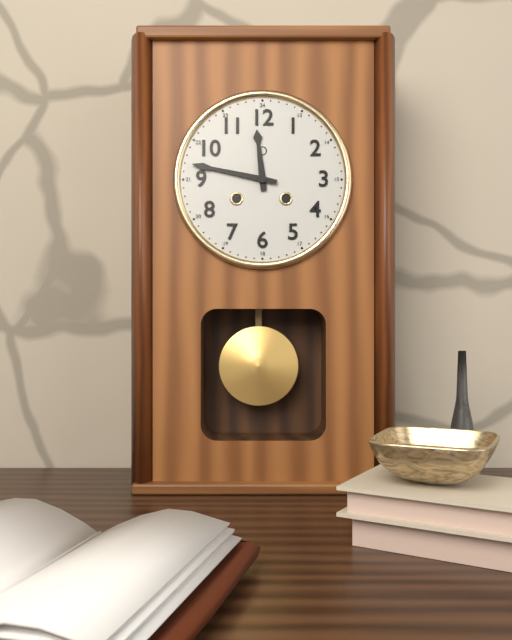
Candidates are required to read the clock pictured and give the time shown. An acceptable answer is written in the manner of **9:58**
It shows **11:47**
